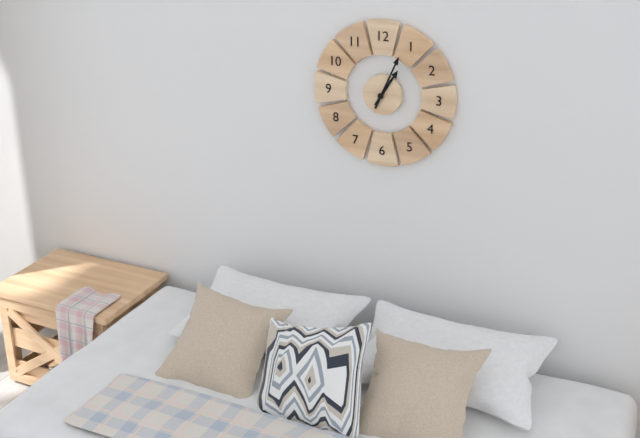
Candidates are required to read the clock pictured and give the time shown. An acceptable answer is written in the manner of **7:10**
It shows **1:04**
